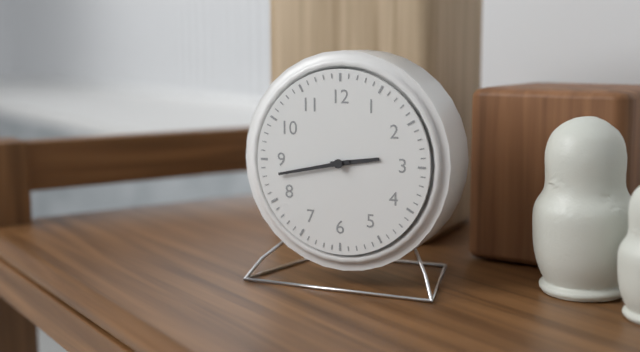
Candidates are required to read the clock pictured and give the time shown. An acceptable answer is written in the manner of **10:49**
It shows **2:43**
